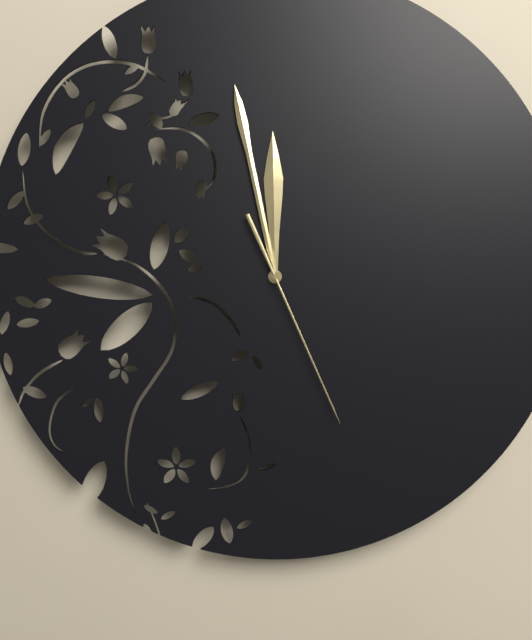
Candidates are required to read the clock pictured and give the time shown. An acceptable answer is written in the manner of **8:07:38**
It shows **11:58:26**
